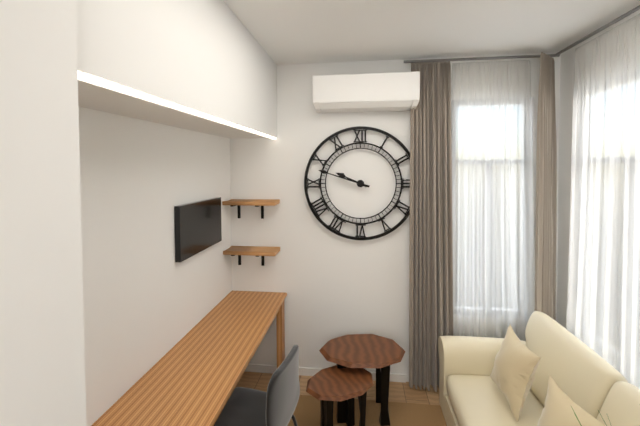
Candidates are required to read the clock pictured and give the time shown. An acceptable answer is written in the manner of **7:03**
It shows **9:48**
